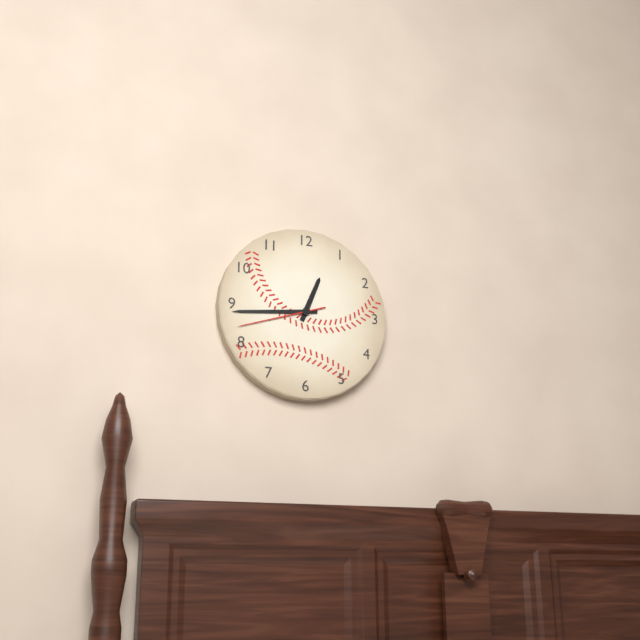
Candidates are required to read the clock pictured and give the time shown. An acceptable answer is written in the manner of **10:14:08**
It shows **12:44:42**
